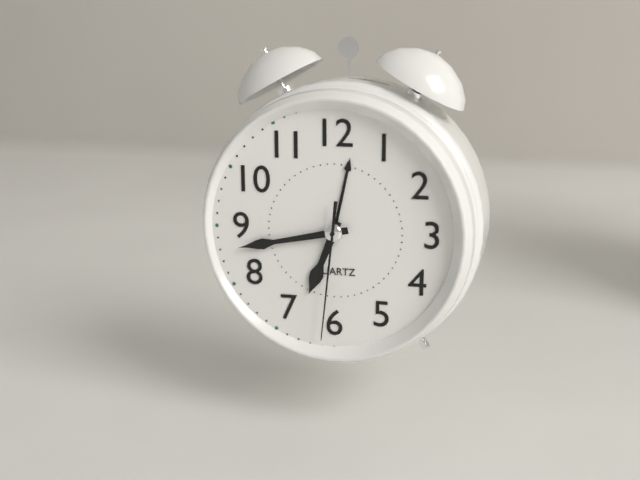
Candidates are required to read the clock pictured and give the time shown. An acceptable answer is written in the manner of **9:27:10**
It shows **6:43:31**
